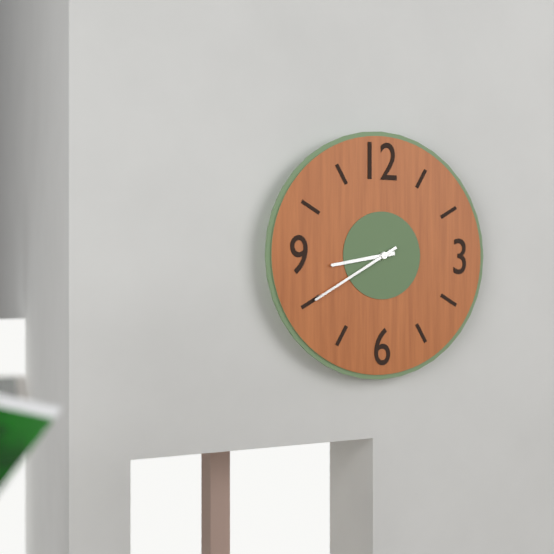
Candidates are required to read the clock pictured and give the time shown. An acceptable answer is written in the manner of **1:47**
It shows **8:40**
